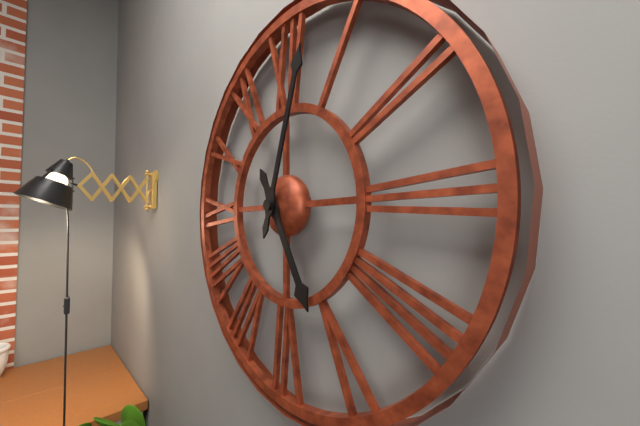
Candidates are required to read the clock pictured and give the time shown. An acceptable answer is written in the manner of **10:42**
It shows **5:03**
